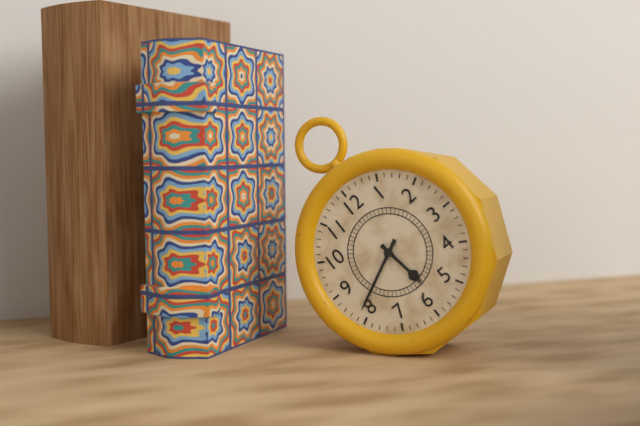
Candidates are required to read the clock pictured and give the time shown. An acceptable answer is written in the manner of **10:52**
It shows **5:41**
